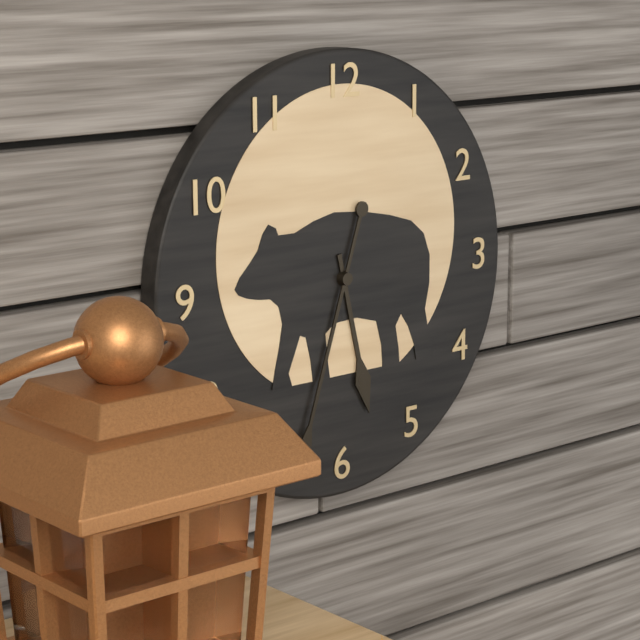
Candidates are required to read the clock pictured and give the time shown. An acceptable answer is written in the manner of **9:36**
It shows **5:33**
